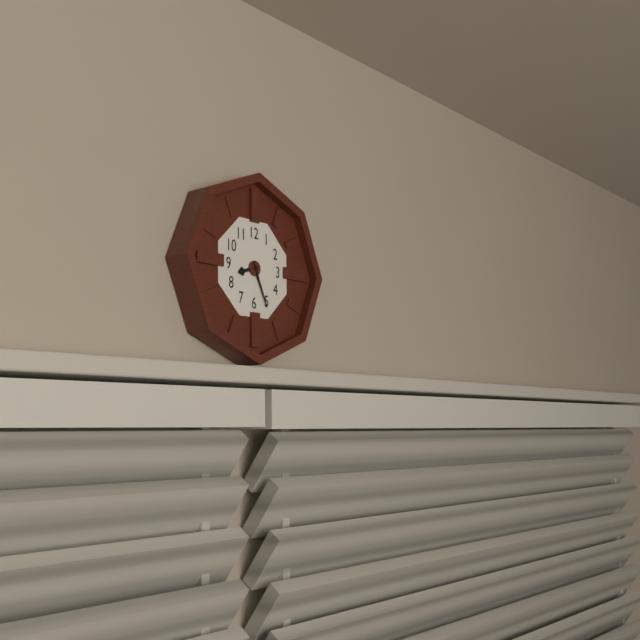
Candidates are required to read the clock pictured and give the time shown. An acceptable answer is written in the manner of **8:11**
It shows **8:26**
